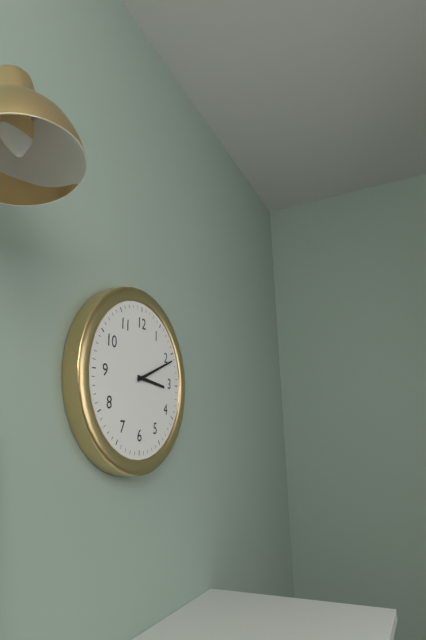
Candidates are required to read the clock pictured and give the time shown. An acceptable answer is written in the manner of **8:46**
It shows **3:11**
